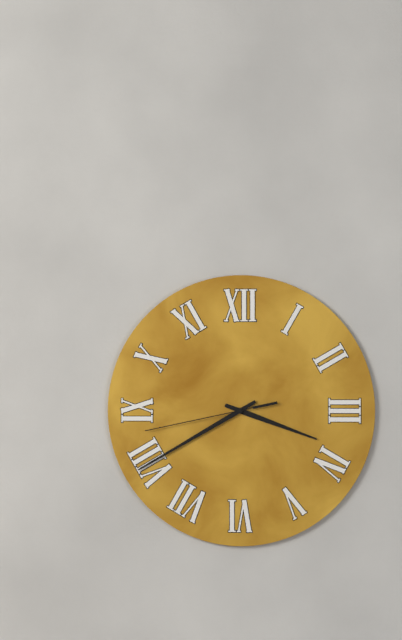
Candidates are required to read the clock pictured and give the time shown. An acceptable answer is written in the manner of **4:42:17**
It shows **3:40:43**
